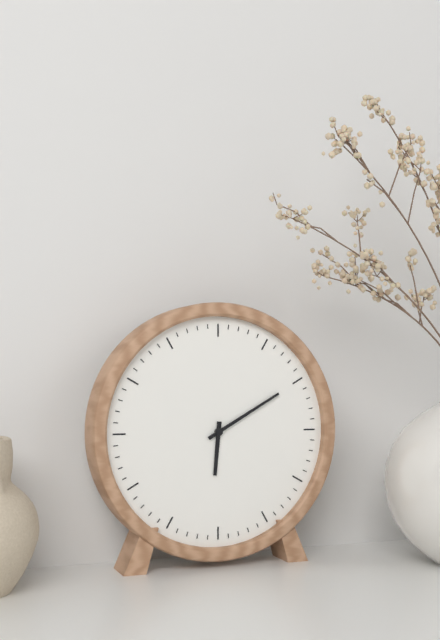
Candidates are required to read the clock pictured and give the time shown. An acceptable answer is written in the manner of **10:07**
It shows **6:10**
